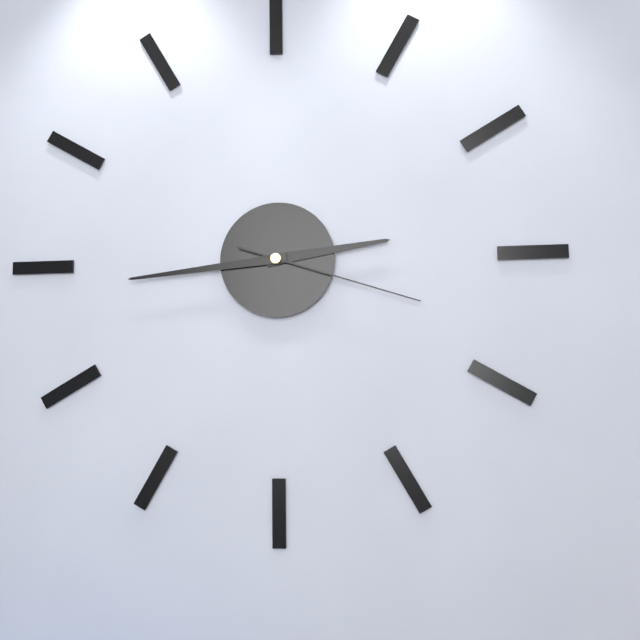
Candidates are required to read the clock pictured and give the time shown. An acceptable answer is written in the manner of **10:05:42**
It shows **2:44:18**
